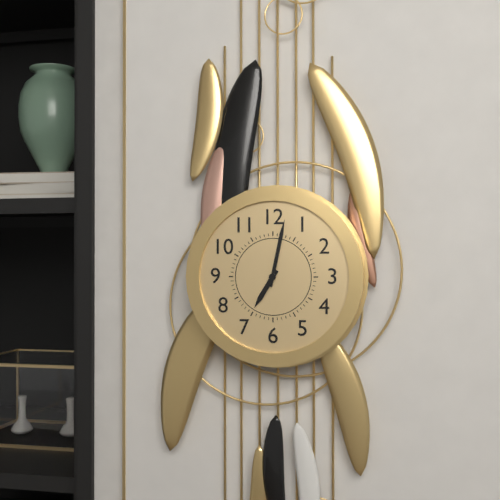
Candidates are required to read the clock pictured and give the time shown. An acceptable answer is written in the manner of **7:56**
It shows **7:02**
